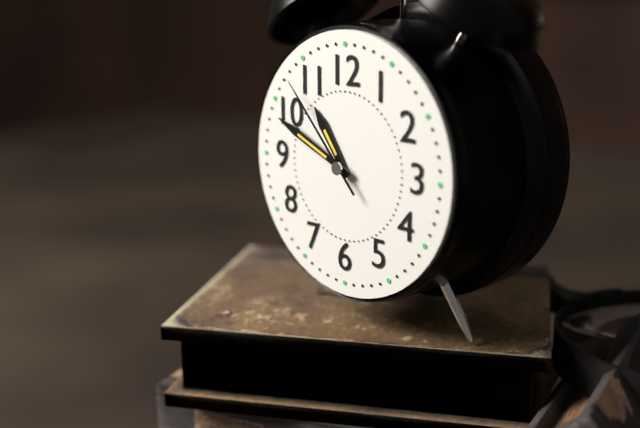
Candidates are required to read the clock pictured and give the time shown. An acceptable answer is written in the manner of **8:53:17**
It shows **10:49:53**
